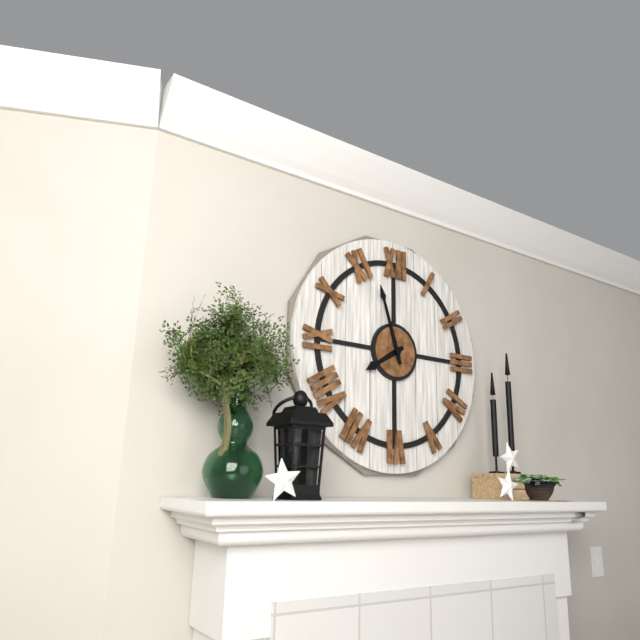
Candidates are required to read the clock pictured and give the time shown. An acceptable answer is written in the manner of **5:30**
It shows **7:57**
